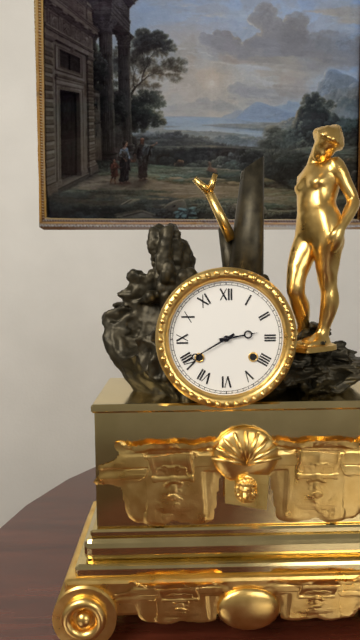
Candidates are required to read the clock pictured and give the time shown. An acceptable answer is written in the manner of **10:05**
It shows **2:40**
